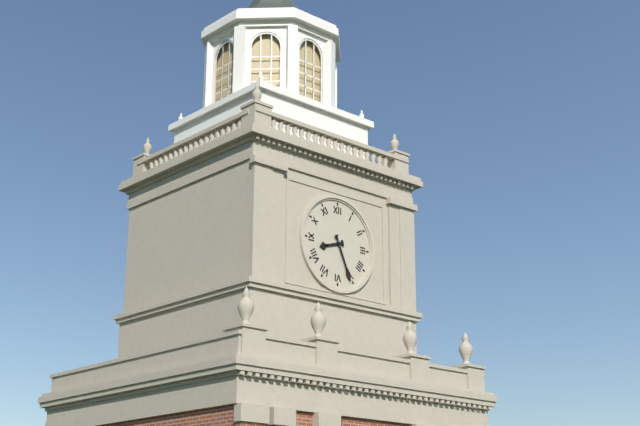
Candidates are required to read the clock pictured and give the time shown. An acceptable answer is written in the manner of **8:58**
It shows **8:26**
